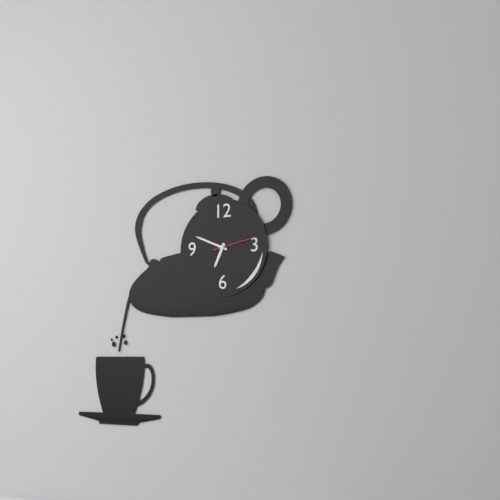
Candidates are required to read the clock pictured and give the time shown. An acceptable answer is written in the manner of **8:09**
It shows **6:49**
